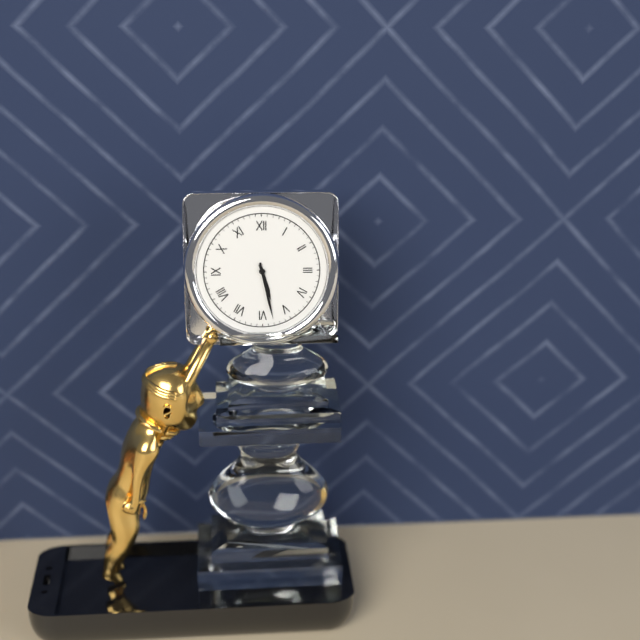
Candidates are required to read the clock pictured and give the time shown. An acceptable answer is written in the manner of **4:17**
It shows **5:28**
